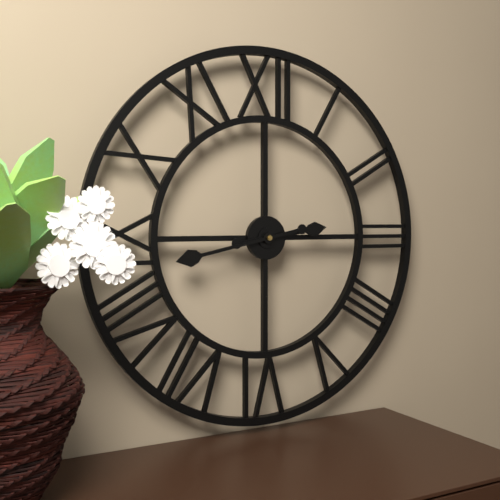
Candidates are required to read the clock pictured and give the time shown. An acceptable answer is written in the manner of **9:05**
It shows **2:43**
